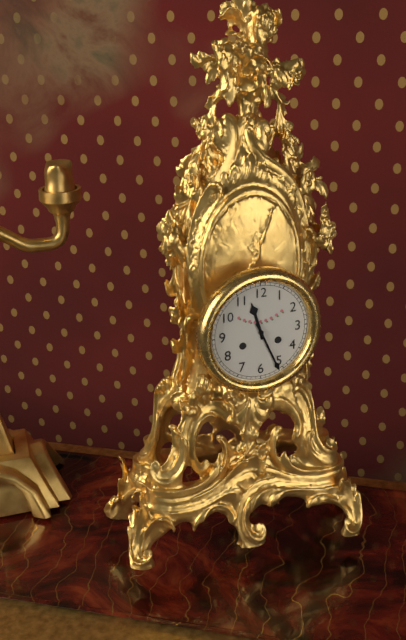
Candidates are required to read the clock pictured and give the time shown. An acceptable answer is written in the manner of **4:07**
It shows **11:26**
